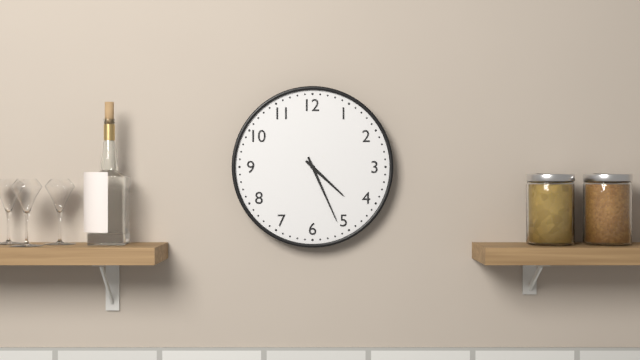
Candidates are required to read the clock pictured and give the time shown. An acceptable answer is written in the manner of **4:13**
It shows **4:26**
